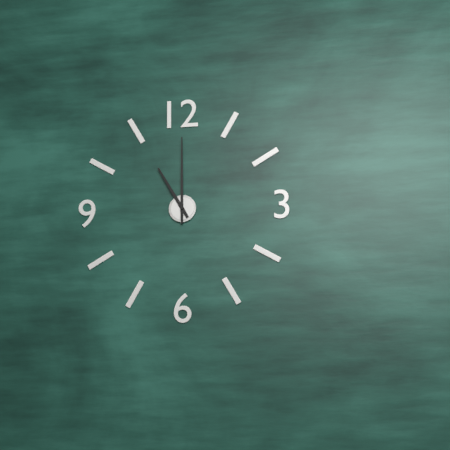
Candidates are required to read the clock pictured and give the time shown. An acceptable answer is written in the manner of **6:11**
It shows **11:00**
